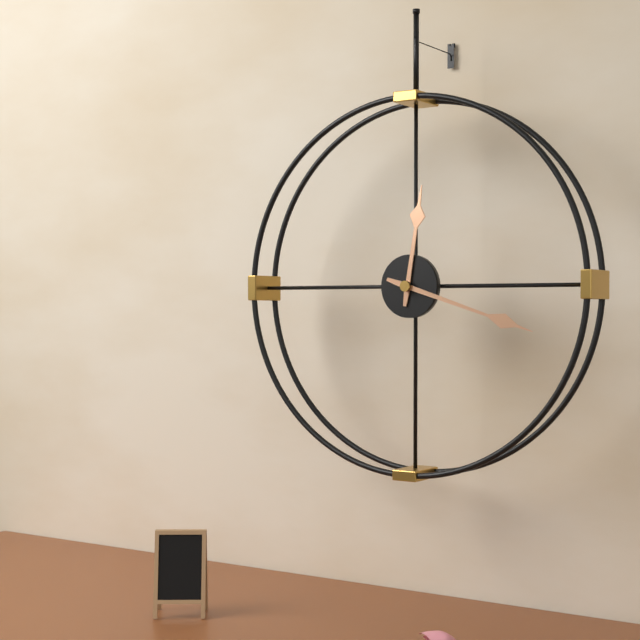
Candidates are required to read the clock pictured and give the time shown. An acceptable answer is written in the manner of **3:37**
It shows **12:18**
